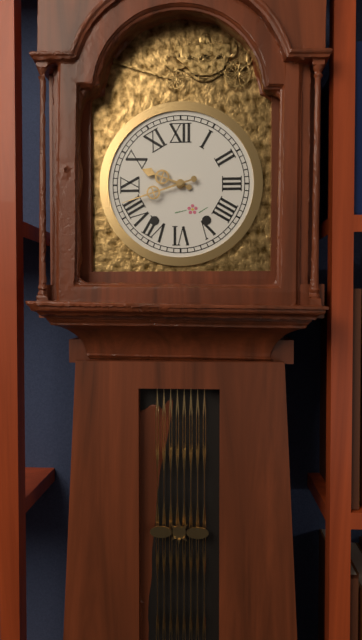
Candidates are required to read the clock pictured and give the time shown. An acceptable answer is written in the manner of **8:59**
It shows **9:42**
